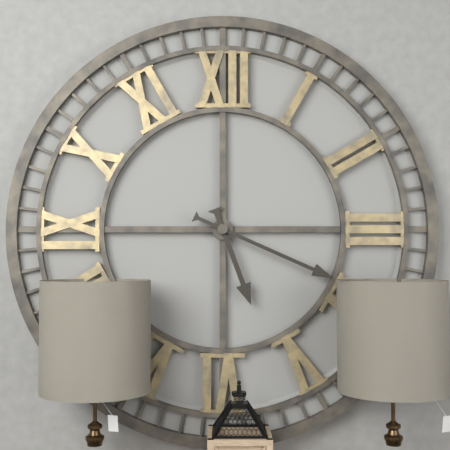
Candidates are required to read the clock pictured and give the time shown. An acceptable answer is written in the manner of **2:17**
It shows **5:19**
